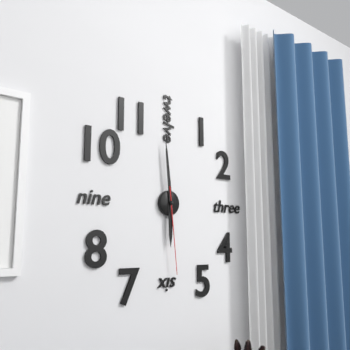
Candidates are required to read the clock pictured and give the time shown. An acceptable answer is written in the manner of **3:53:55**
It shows **5:59:29**
